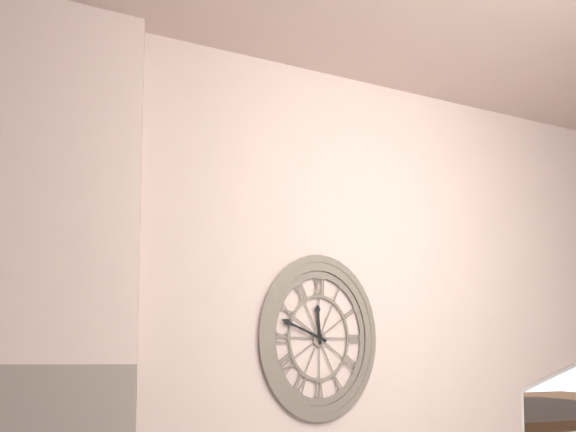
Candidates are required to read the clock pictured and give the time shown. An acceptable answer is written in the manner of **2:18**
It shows **11:48**
